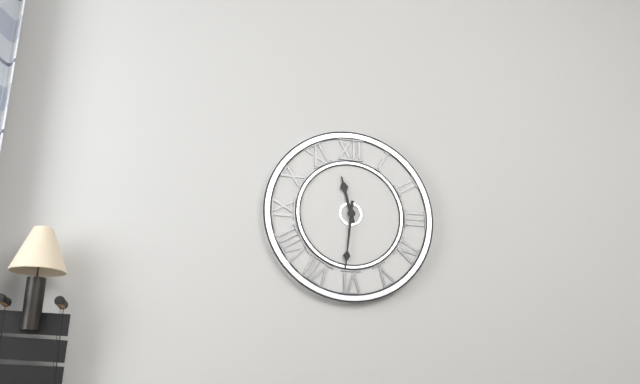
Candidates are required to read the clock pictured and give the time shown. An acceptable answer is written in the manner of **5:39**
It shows **11:31**
